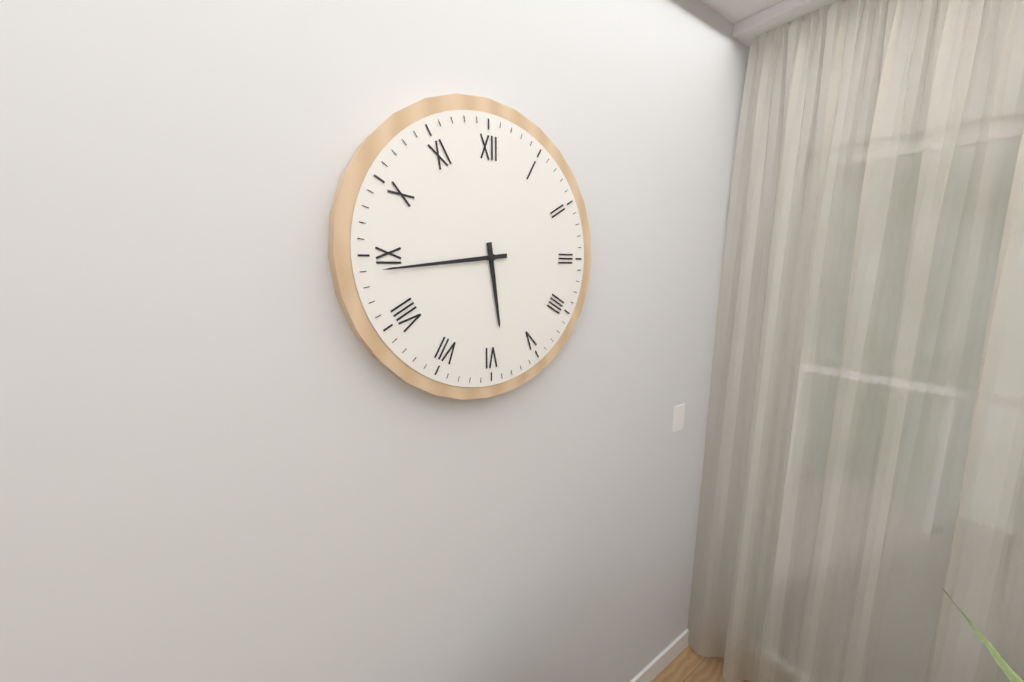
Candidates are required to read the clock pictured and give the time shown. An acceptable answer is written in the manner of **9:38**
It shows **5:44**
